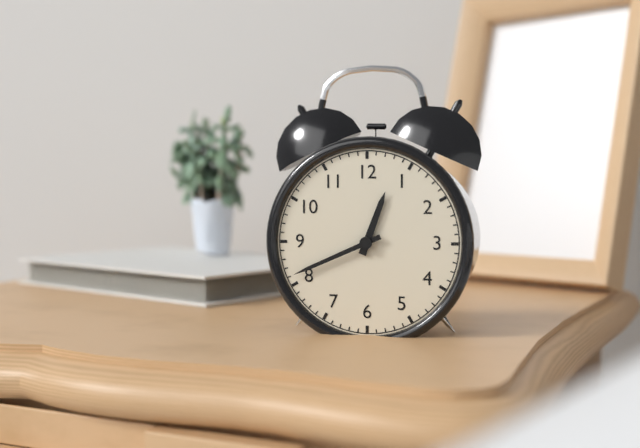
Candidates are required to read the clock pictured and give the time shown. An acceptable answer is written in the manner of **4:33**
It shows **12:41**
